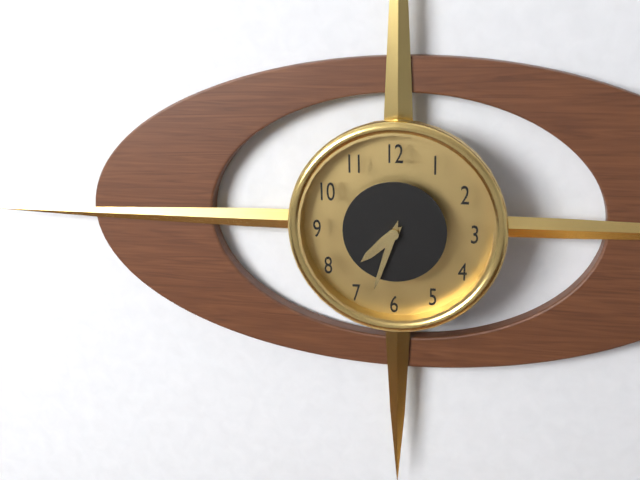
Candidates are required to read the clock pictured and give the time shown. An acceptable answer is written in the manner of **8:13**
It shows **7:33**
